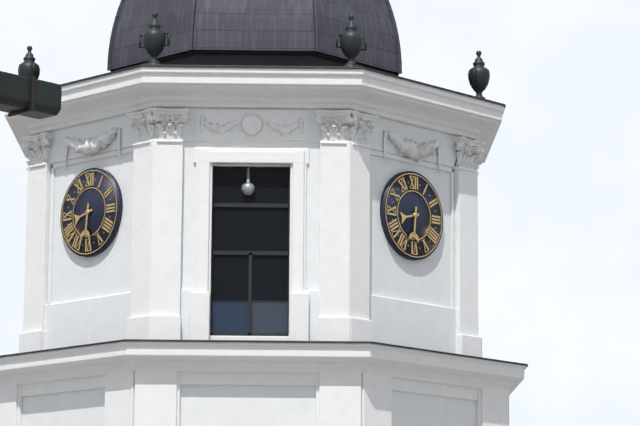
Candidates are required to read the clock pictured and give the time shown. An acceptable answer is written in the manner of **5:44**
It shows **8:31**
